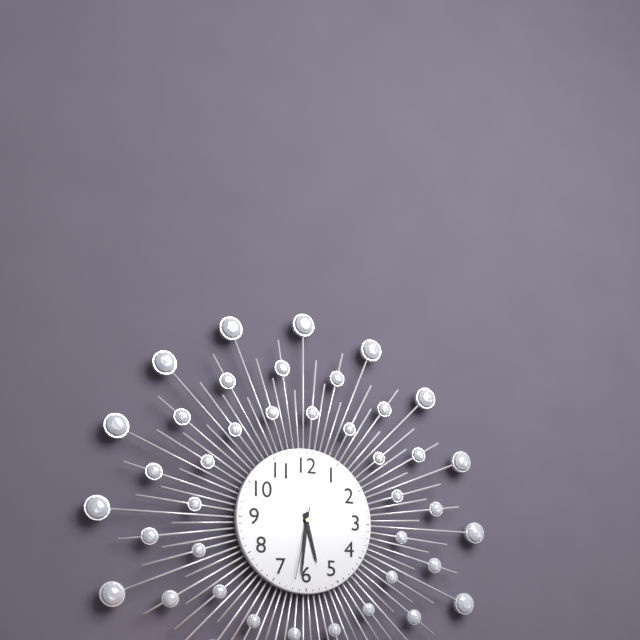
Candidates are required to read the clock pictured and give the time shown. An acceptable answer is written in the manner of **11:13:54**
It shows **5:31:32**
